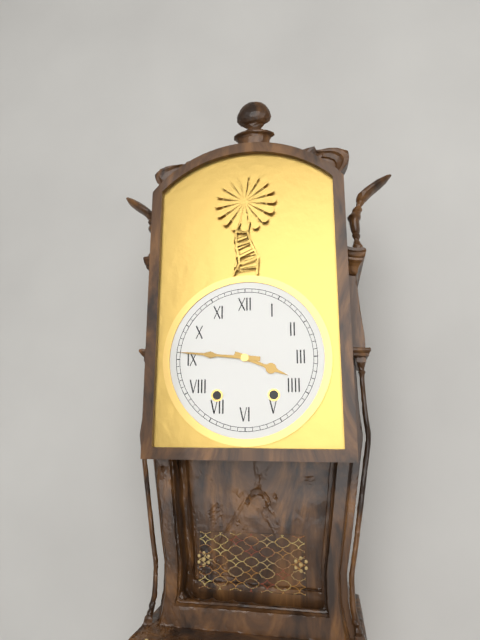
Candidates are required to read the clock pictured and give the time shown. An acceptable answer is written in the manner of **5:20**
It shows **3:46**
